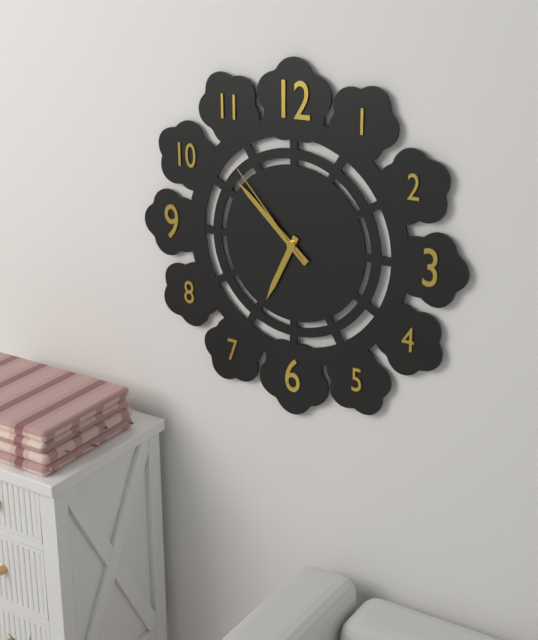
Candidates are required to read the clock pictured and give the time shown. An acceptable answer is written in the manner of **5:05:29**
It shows **6:52:53**
